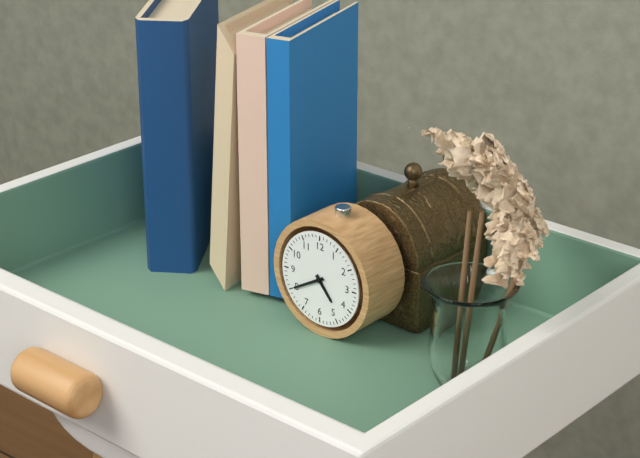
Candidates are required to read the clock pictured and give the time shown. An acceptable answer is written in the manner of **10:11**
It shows **4:40**
